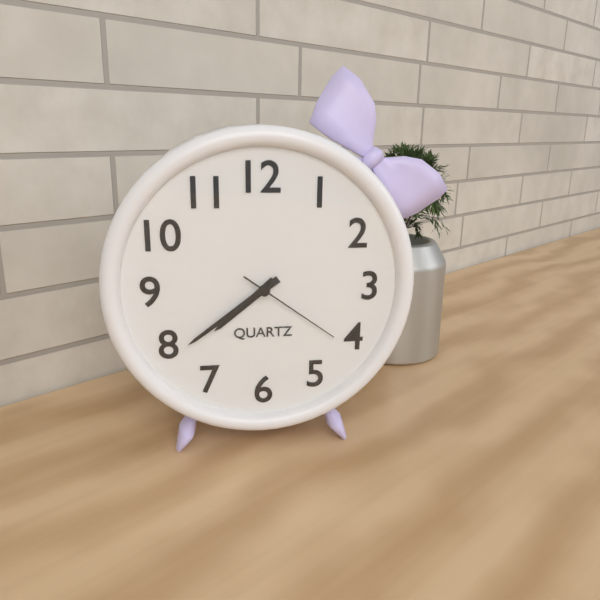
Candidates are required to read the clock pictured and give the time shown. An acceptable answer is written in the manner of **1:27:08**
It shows **7:39:21**
